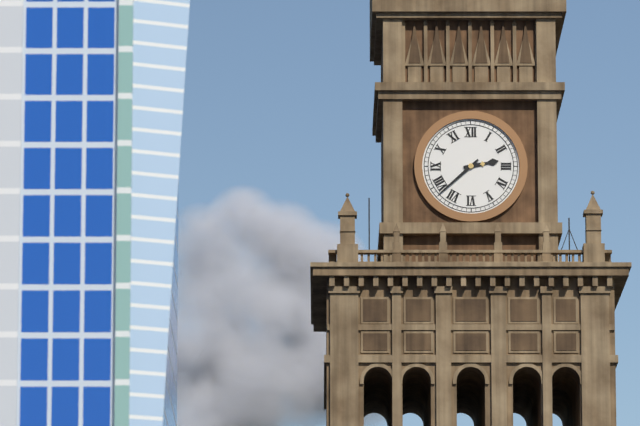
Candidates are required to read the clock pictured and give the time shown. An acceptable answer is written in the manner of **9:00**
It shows **2:38**
